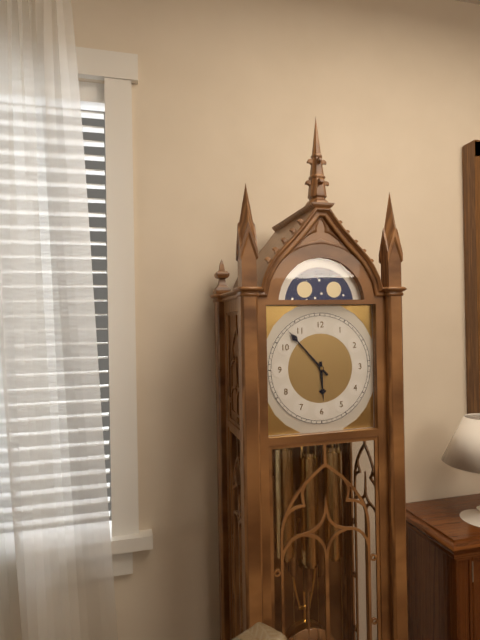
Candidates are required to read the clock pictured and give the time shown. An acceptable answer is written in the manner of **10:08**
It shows **5:53**
